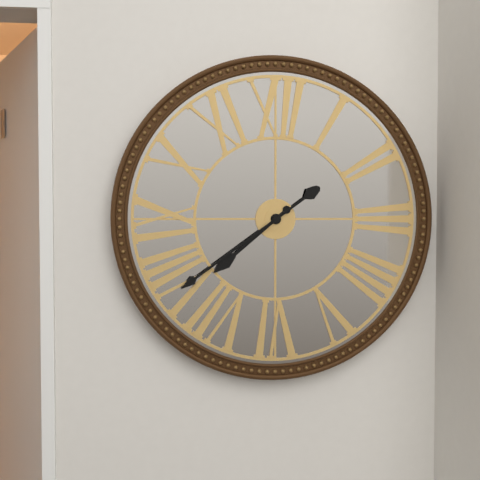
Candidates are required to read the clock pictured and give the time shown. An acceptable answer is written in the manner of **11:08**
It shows **7:39**
